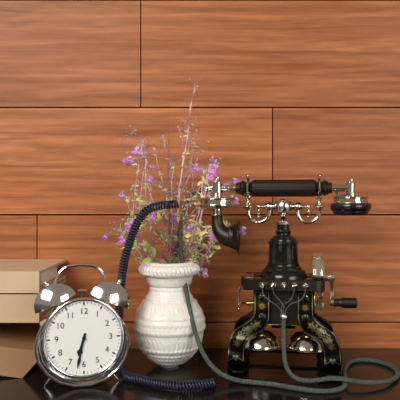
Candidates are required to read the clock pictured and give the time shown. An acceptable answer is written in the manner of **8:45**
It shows **6:32**
